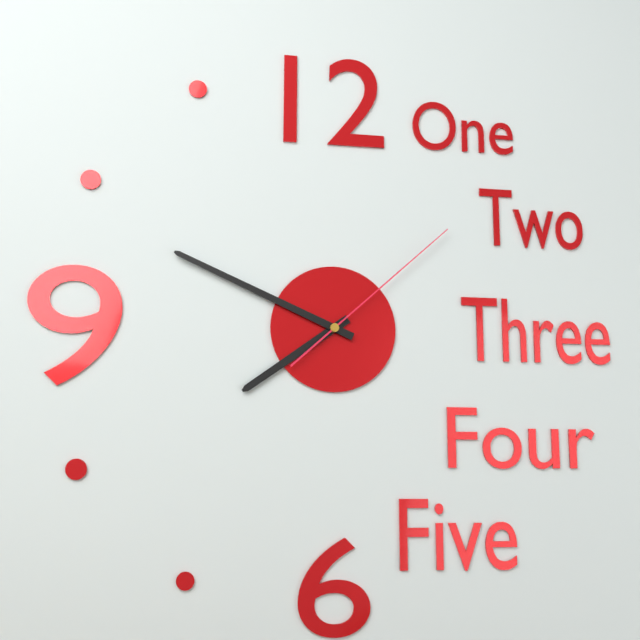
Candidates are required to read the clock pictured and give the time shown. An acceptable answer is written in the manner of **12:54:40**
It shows **7:49:08**
